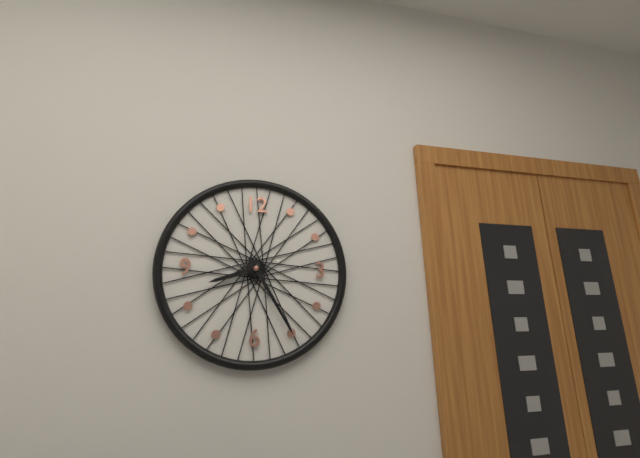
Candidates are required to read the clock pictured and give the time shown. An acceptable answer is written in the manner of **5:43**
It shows **8:25**
